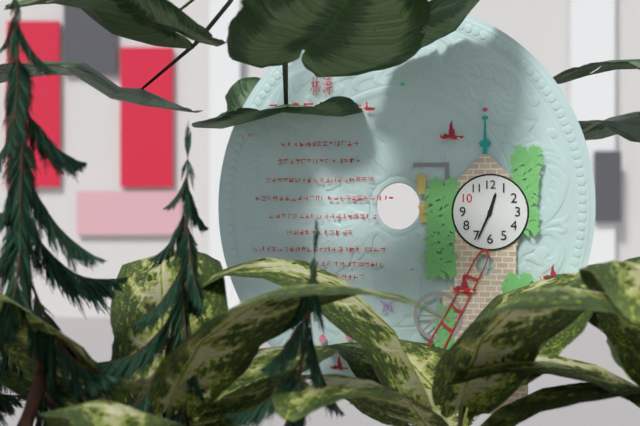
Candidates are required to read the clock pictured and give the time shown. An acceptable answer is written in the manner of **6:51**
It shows **12:34**
